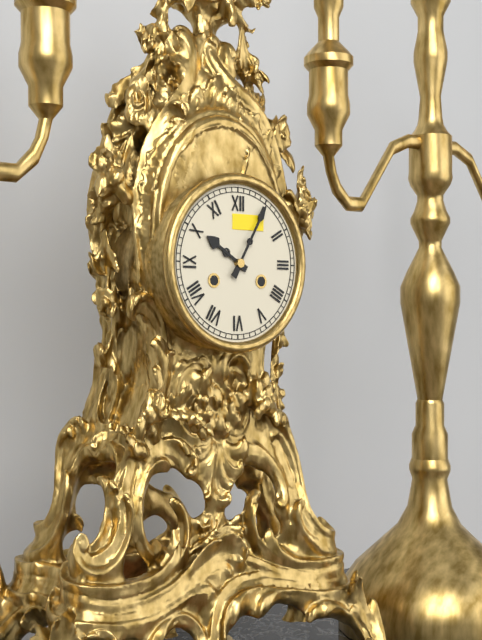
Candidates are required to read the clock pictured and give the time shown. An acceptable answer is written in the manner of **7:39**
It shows **10:05**
